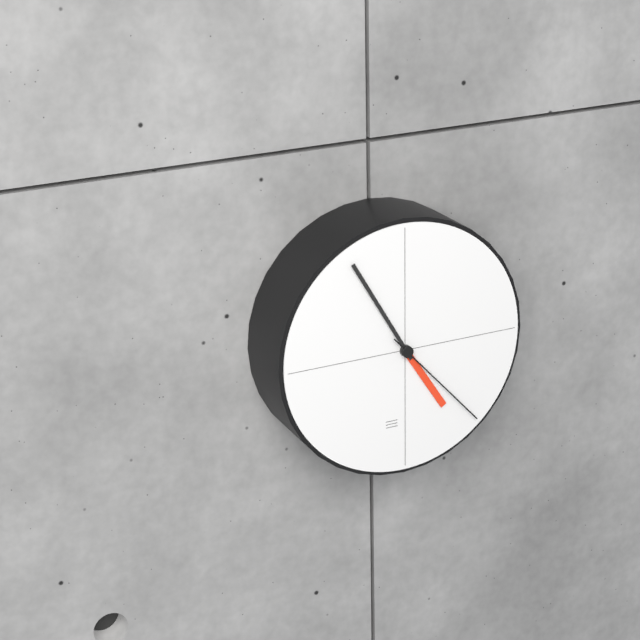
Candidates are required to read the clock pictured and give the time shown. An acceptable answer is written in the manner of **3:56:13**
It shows **4:55:23**
